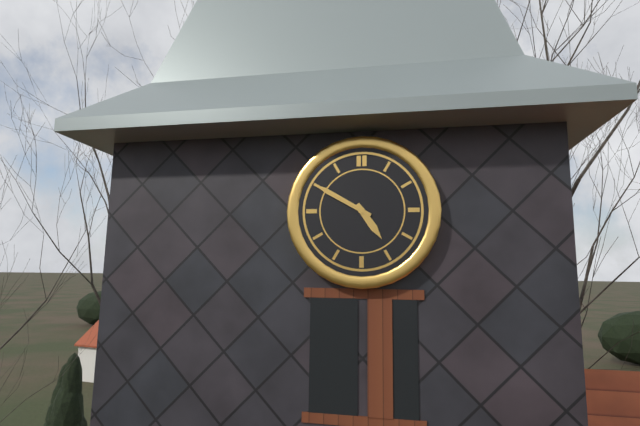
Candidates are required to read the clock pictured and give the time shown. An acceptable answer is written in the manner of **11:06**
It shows **4:50**
